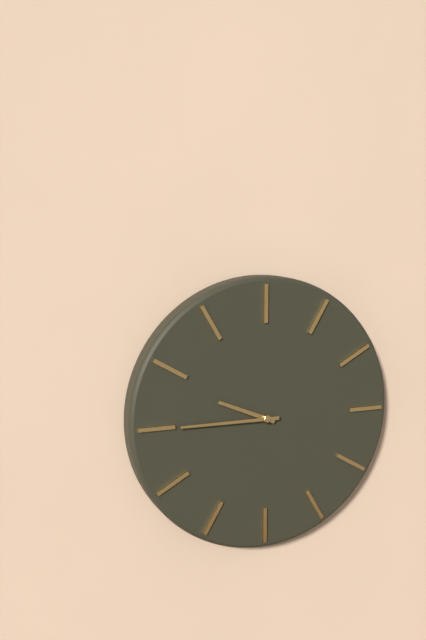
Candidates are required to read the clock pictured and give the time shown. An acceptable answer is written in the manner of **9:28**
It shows **9:45**
